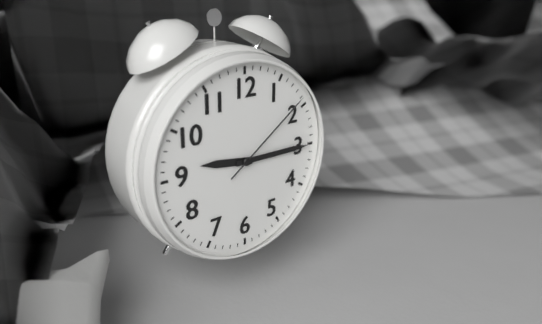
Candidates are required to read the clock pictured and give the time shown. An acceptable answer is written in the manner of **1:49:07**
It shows **9:15:09**
